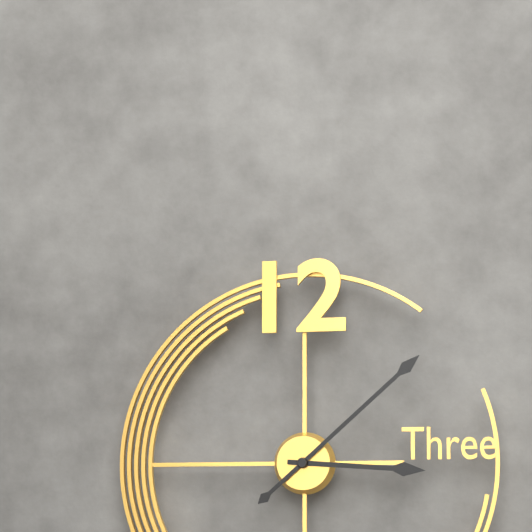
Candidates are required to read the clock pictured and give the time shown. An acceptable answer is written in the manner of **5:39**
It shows **3:08**
